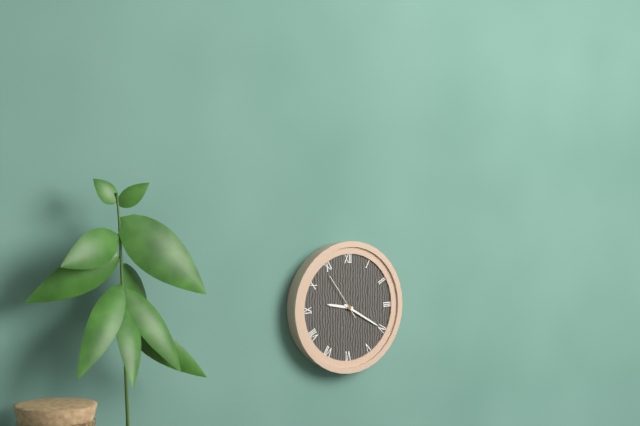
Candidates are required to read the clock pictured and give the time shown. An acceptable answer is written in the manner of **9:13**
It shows **9:20**
